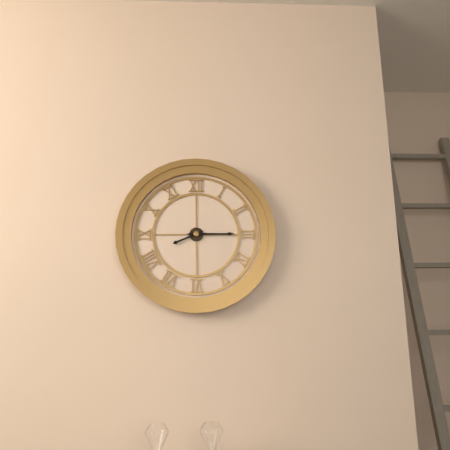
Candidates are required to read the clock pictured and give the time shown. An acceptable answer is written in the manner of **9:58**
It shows **8:15**
